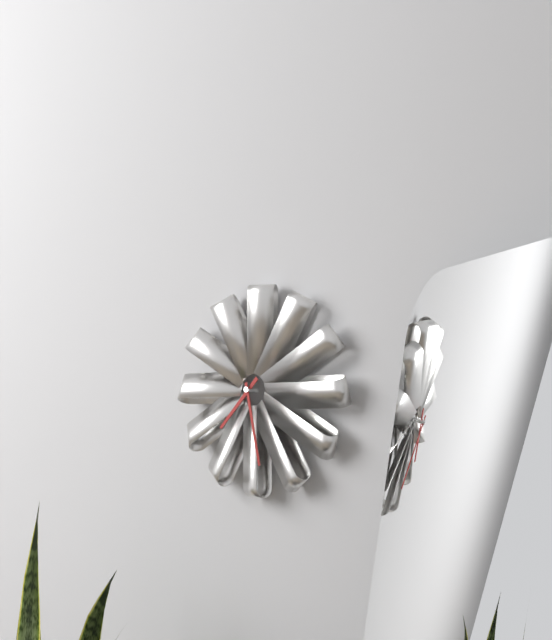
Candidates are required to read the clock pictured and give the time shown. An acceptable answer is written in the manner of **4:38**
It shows **7:28**
